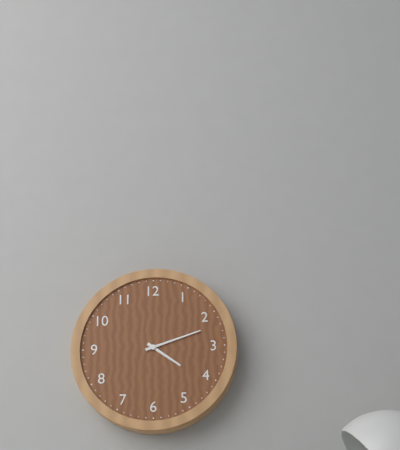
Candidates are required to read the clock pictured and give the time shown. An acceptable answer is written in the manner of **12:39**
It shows **4:12**
